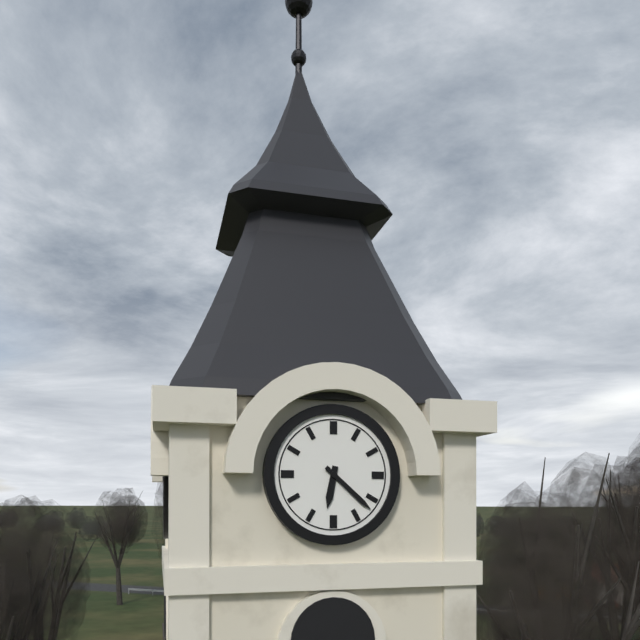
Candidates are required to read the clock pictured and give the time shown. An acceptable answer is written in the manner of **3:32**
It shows **6:22**
